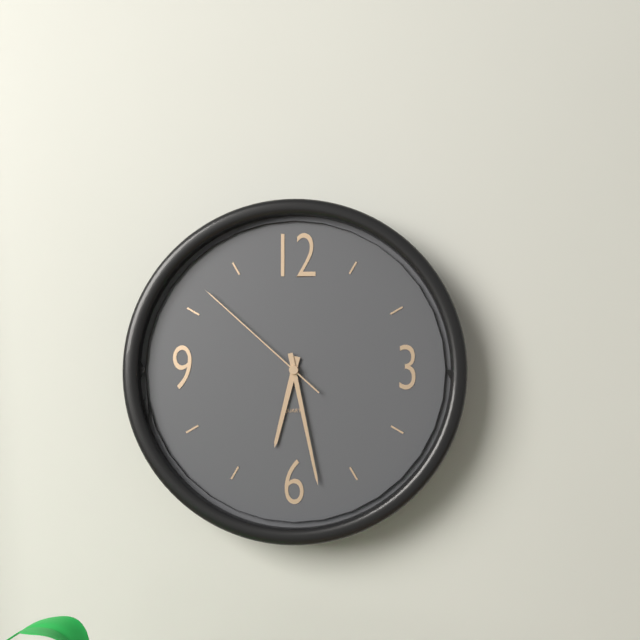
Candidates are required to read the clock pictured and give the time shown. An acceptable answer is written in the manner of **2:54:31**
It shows **6:28:52**
